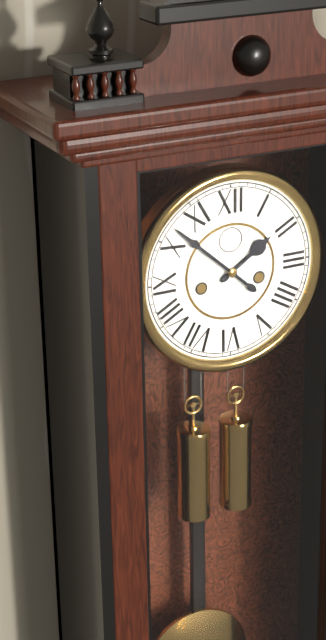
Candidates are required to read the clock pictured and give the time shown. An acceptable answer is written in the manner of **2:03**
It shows **1:52**
